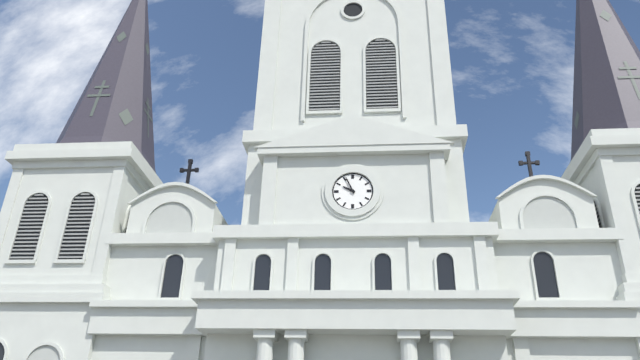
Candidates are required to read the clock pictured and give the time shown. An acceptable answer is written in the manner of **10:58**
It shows **9:56**
